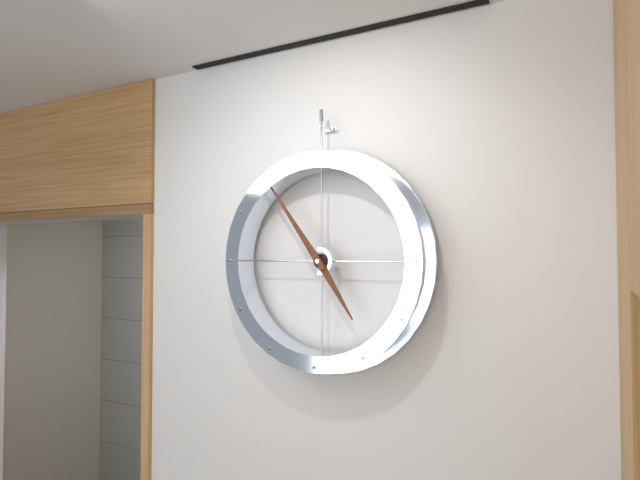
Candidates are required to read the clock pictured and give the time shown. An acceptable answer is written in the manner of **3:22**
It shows **4:54**
